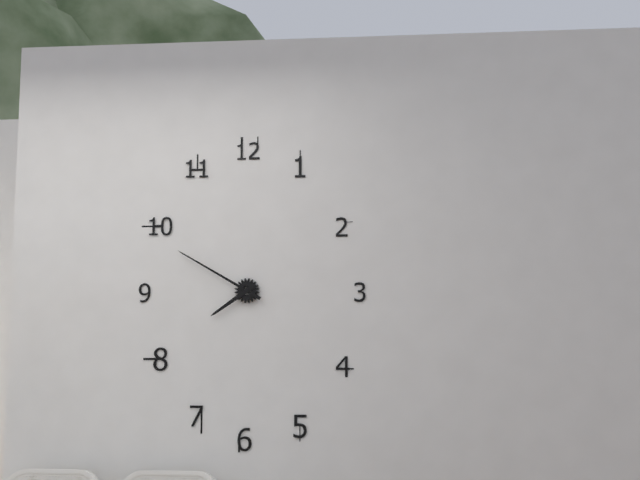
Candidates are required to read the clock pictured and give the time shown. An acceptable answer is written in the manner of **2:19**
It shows **7:50**
